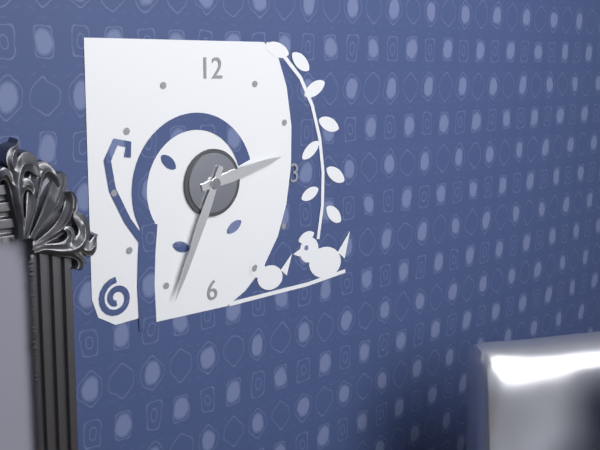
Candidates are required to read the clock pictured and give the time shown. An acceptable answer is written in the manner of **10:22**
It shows **2:34**
